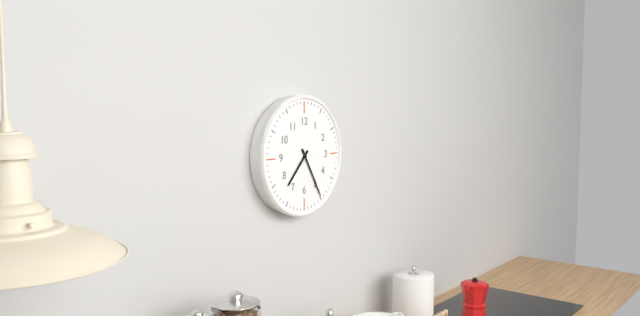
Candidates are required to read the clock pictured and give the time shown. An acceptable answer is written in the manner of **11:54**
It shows **7:25**
